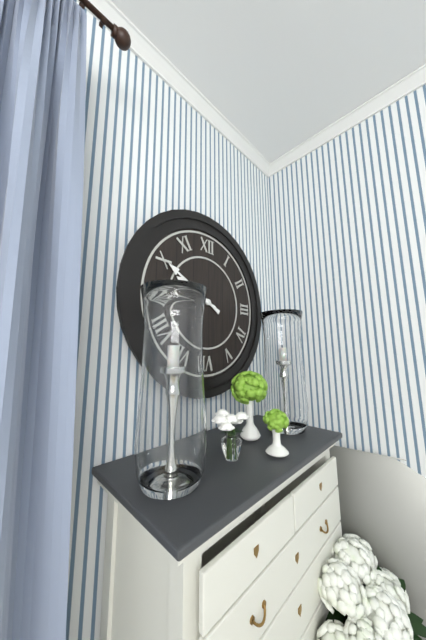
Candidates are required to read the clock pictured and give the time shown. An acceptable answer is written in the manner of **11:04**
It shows **9:50**
